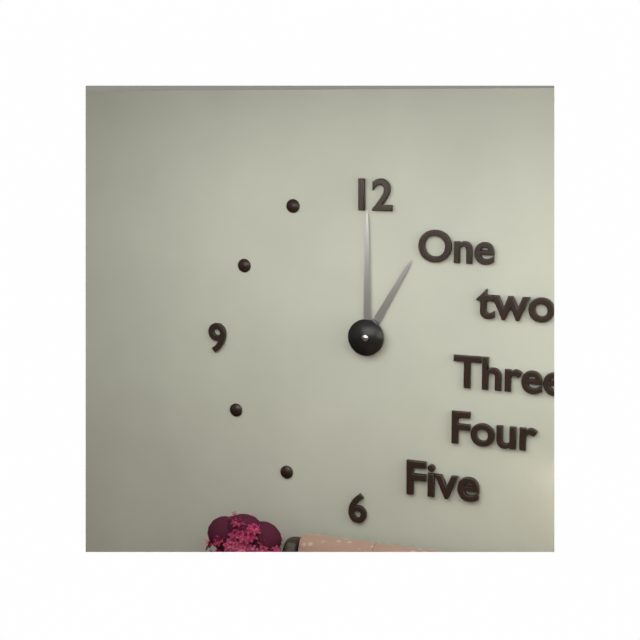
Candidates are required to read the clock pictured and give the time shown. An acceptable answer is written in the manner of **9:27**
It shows **1:00**
